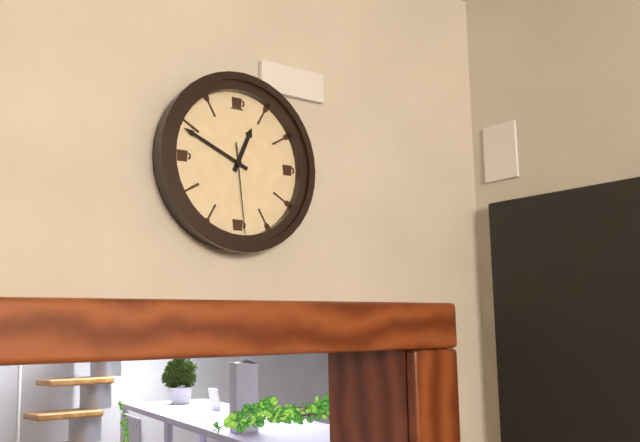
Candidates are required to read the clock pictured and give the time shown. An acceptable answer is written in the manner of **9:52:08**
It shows **12:49:29**
